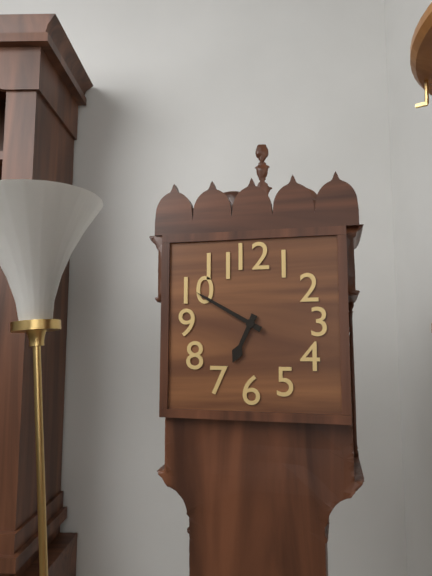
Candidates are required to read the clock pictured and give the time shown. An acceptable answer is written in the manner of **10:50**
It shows **6:50**
